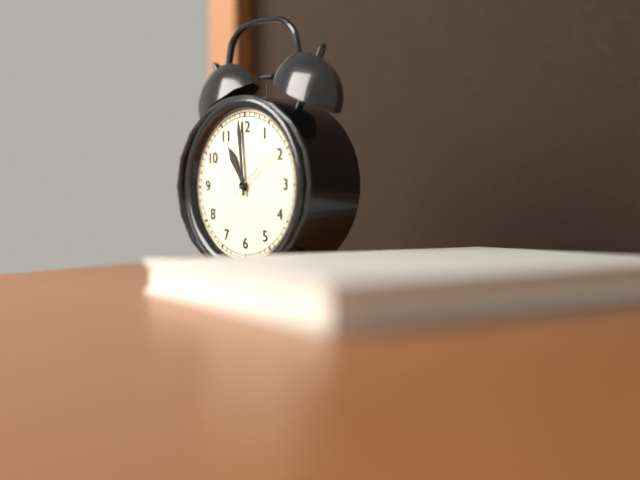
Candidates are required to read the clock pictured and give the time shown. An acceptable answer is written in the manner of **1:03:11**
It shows **10:59:09**
